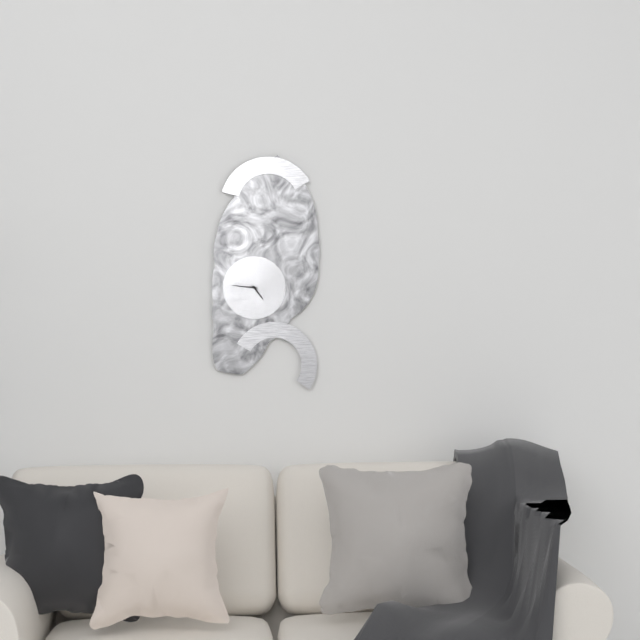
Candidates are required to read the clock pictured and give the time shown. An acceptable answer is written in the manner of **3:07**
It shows **4:46**
